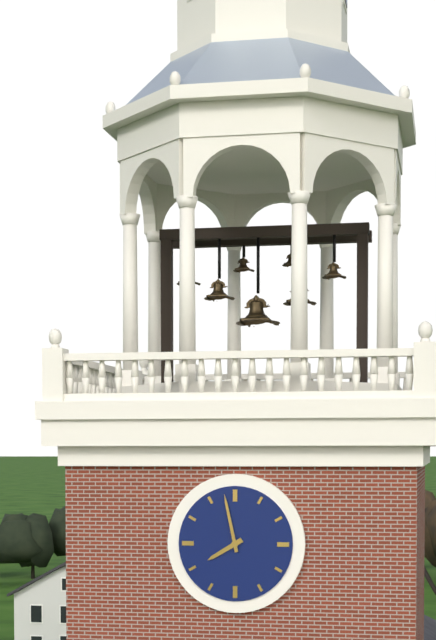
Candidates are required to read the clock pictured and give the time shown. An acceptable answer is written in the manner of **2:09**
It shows **7:58**
